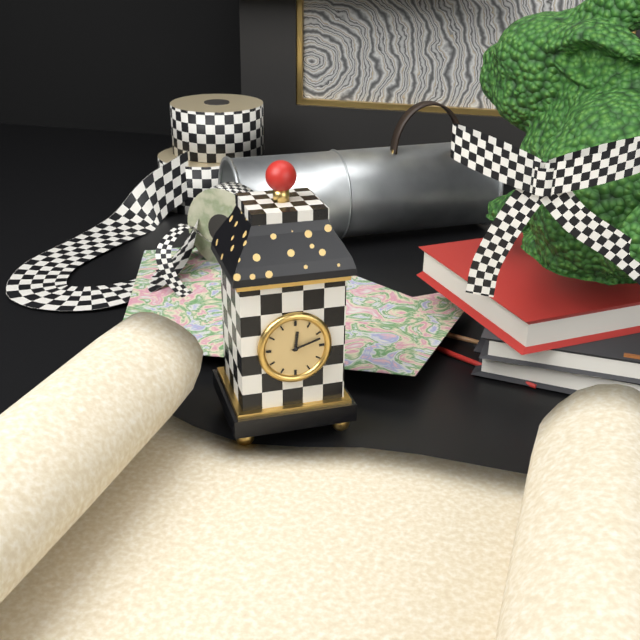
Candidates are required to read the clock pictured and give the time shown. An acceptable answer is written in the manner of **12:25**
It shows **12:12**
